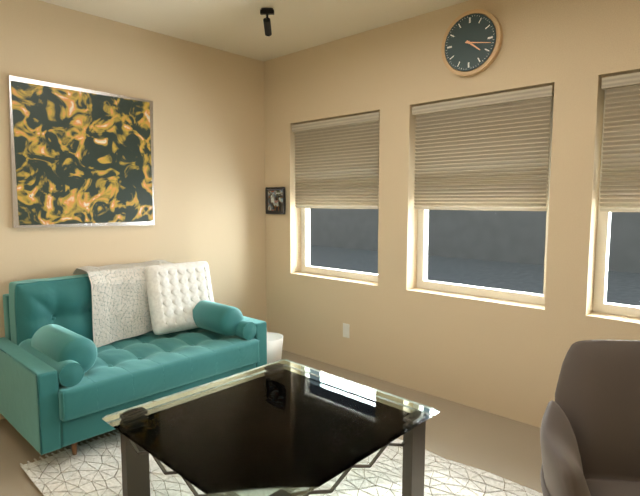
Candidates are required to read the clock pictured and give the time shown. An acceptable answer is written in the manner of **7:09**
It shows **4:17**
